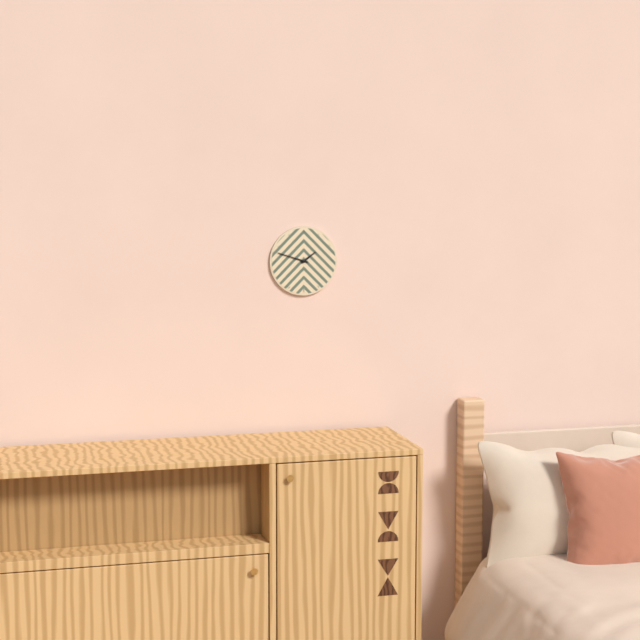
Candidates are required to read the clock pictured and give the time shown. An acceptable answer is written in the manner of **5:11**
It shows **1:48**
